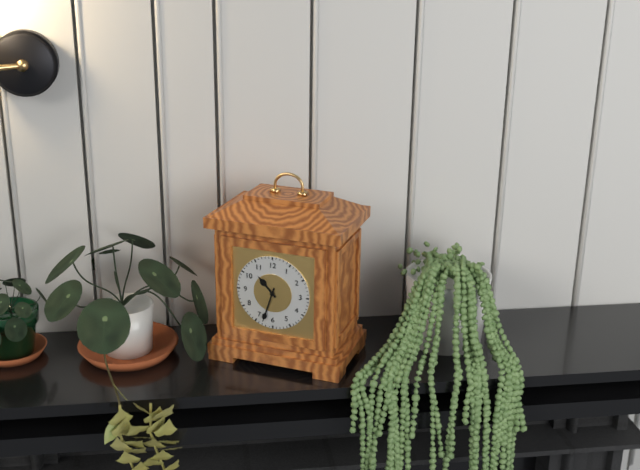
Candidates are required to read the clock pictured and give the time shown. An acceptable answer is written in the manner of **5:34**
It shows **10:33**
